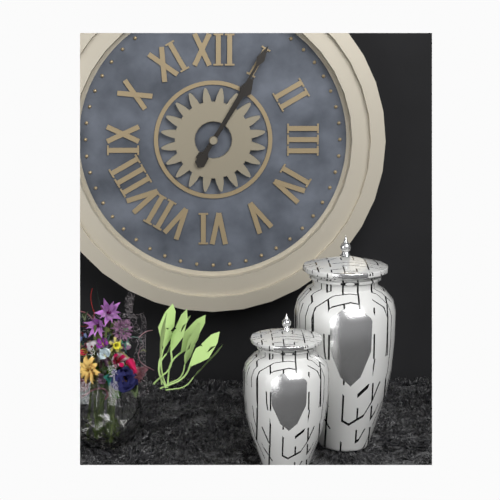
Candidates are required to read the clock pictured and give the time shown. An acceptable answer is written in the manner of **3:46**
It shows **1:05**
